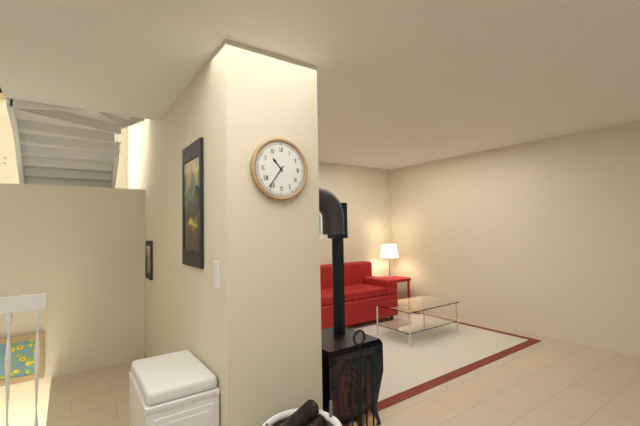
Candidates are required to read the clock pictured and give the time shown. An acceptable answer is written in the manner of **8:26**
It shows **10:36**
